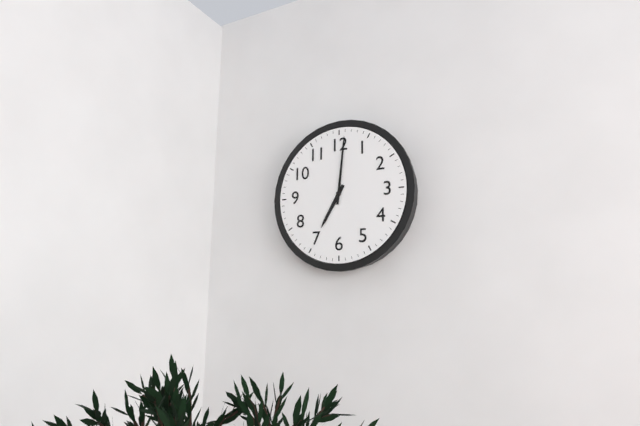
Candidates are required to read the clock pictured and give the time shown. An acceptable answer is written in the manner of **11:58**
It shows **7:01**
